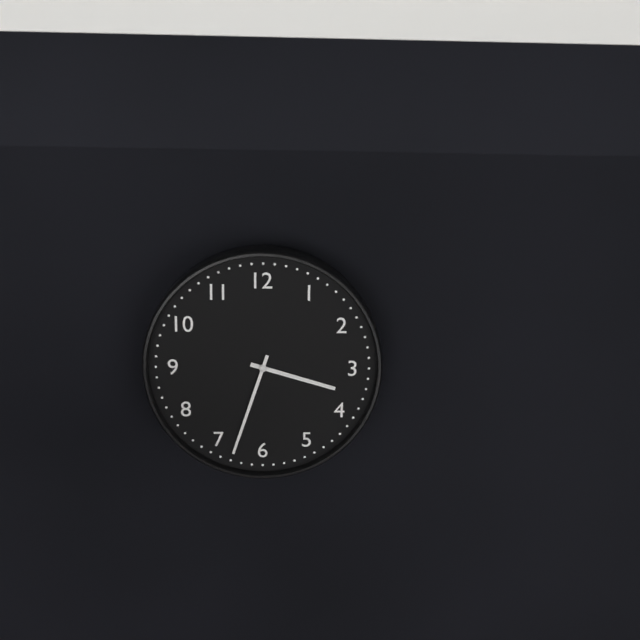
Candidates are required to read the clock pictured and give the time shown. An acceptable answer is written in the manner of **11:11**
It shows **3:33**
